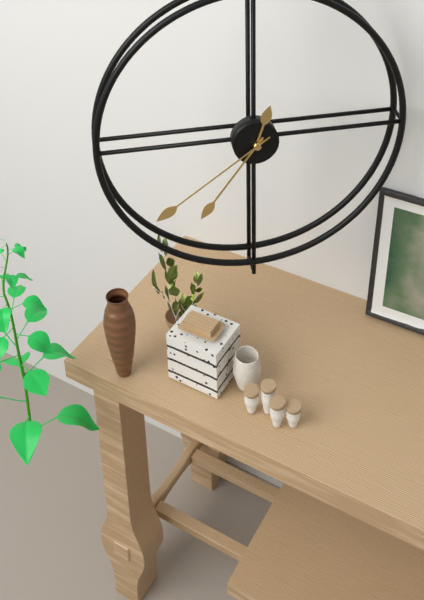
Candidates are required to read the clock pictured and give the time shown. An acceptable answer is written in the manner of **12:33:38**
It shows **12:36:39**
